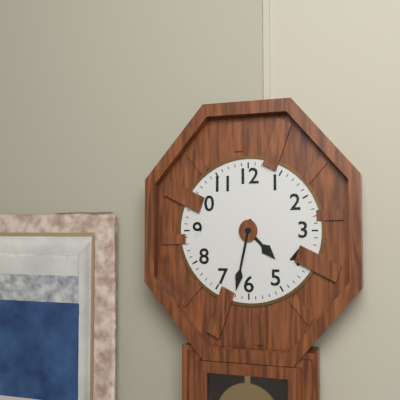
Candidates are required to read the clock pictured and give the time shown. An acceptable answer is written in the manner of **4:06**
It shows **4:32**
